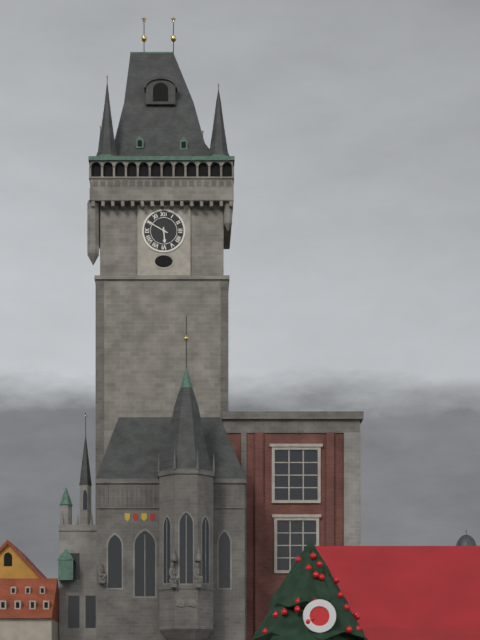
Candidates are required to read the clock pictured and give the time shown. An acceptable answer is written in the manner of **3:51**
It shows **5:50**
